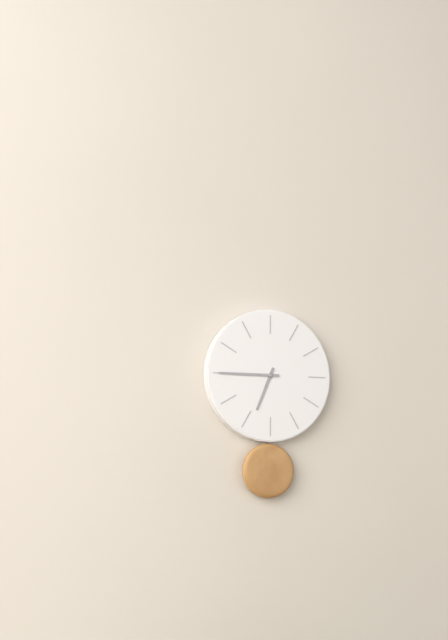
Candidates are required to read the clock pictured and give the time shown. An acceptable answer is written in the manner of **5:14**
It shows **6:45**
